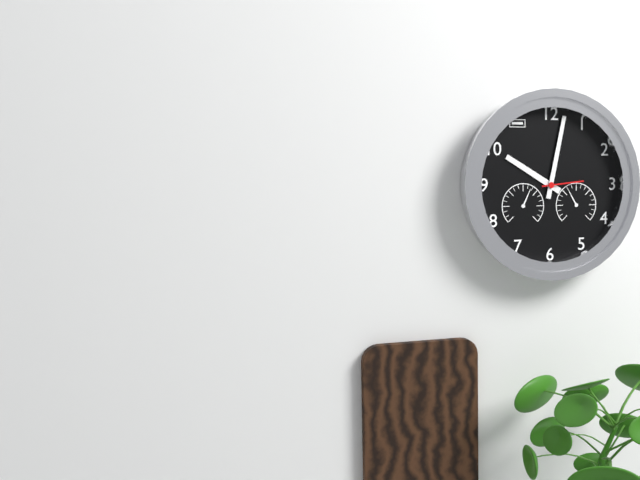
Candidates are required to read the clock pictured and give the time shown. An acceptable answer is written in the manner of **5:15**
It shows **10:02**
